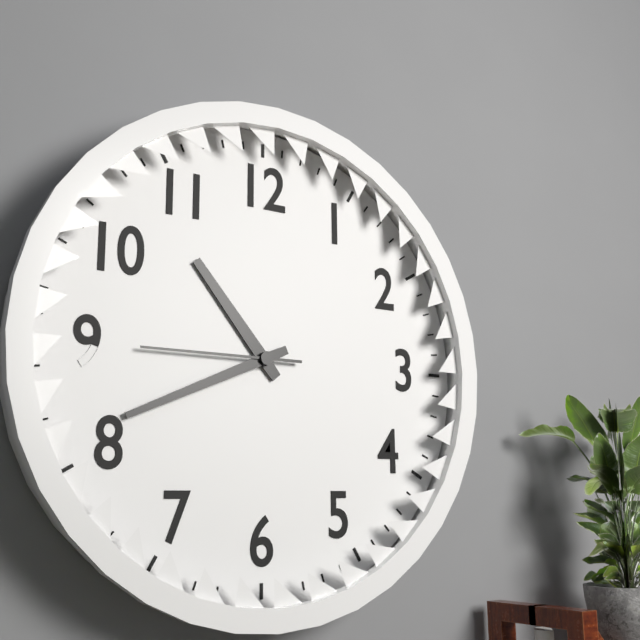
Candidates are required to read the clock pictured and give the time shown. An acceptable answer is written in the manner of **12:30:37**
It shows **10:41:45**
